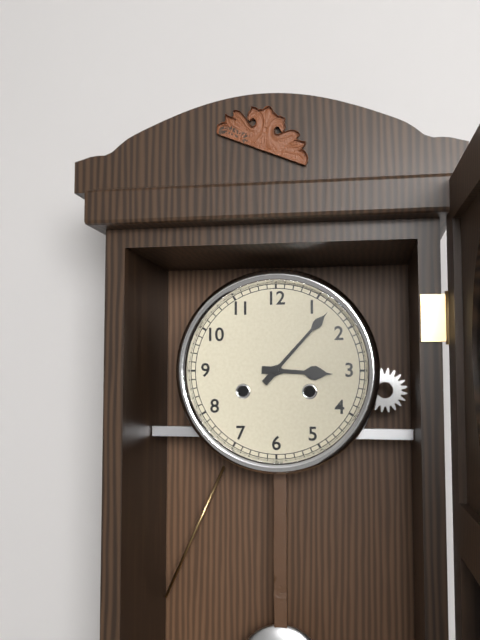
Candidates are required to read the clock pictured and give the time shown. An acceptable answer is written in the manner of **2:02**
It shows **3:07**
